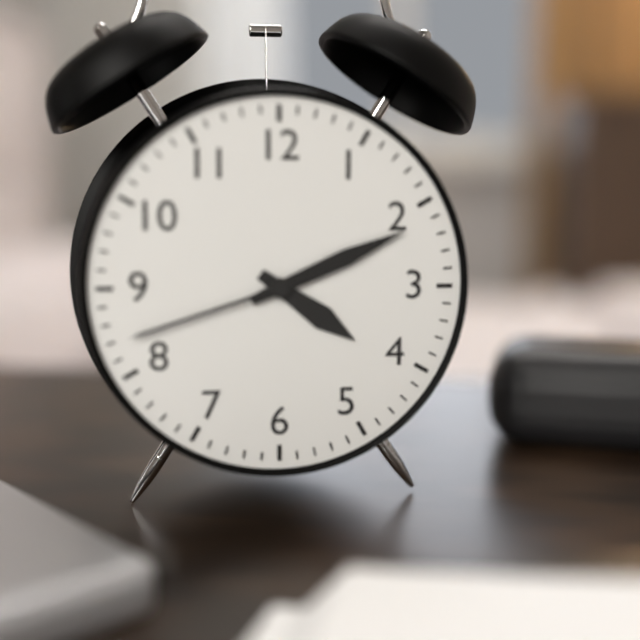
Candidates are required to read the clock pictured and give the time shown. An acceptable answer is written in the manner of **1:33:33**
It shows **4:11:42**
